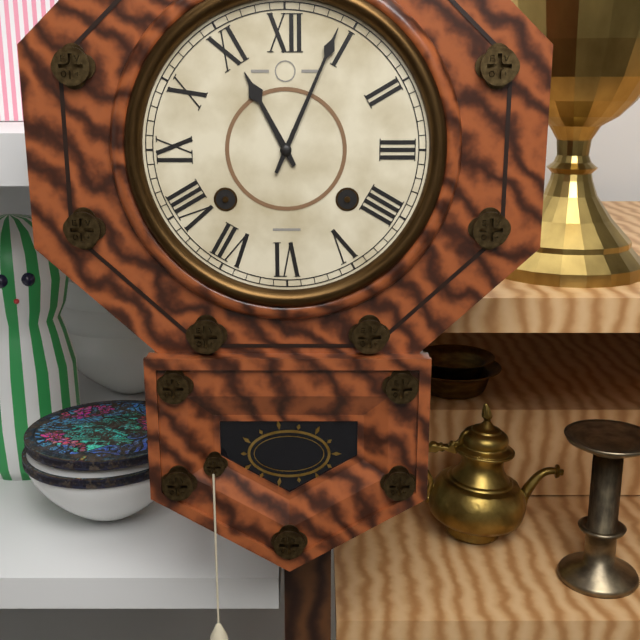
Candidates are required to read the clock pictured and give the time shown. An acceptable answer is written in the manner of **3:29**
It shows **11:04**
